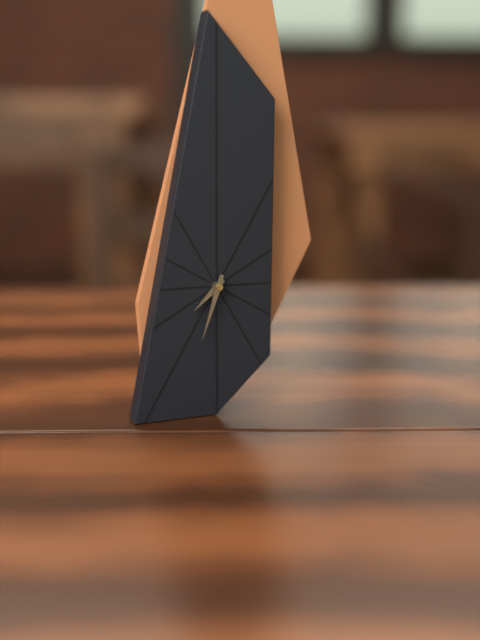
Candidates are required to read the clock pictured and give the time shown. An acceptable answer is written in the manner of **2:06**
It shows **7:33**
